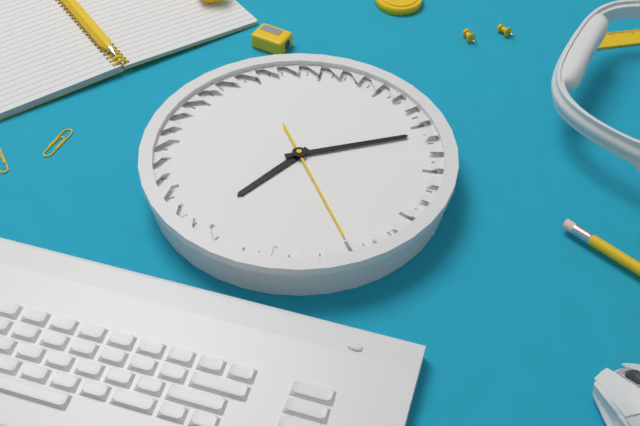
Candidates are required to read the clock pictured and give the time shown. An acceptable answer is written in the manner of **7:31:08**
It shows **7:11:25**
